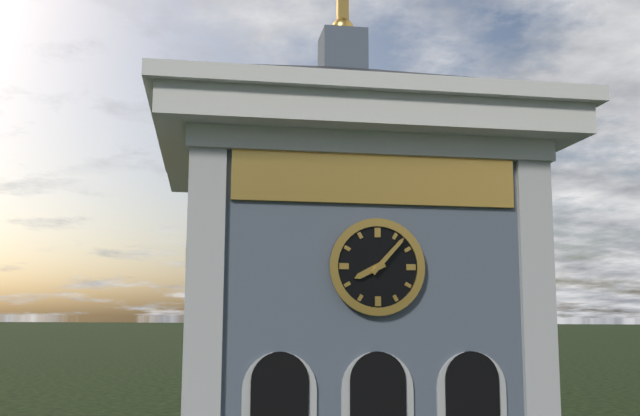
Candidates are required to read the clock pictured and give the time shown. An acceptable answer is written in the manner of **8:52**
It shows **8:07**
